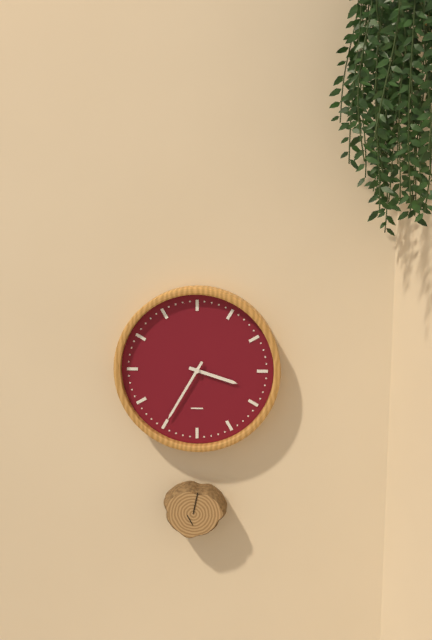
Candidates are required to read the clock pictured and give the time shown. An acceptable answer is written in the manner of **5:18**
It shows **3:35**
